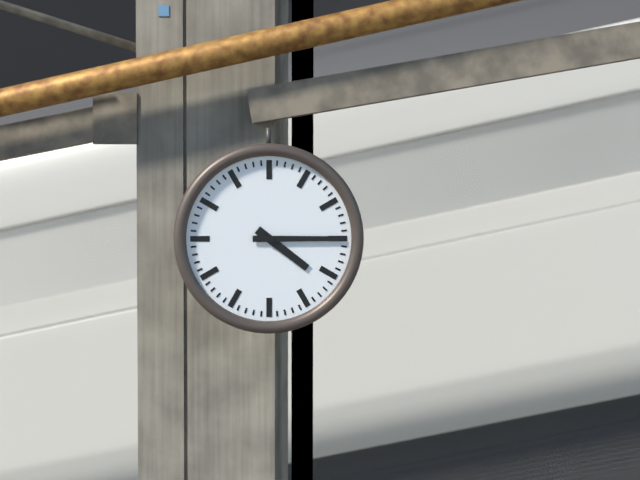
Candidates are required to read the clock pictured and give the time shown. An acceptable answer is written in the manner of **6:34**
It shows **4:15**
